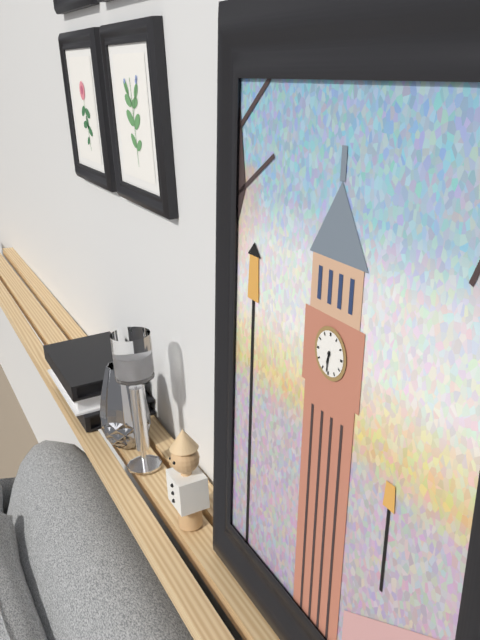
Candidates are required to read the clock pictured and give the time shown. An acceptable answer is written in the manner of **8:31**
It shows **6:31**
